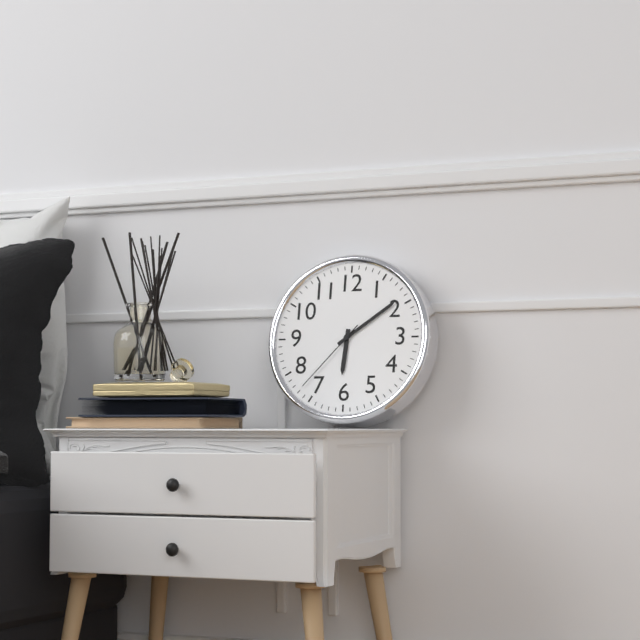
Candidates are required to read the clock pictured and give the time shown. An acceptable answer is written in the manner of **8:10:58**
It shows **6:09:37**
